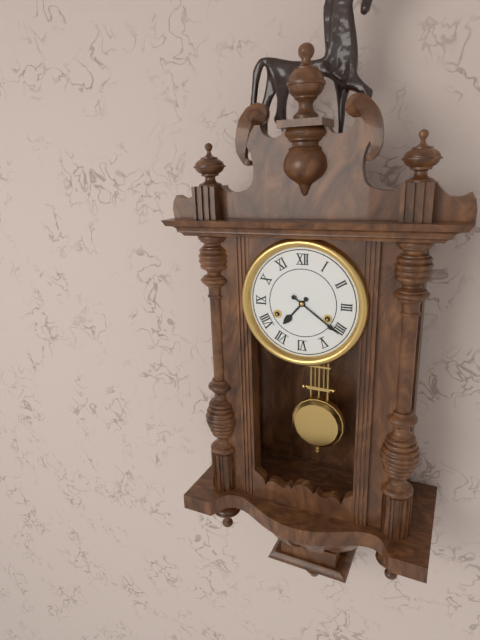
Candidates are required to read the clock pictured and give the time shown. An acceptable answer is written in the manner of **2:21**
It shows **7:21**
